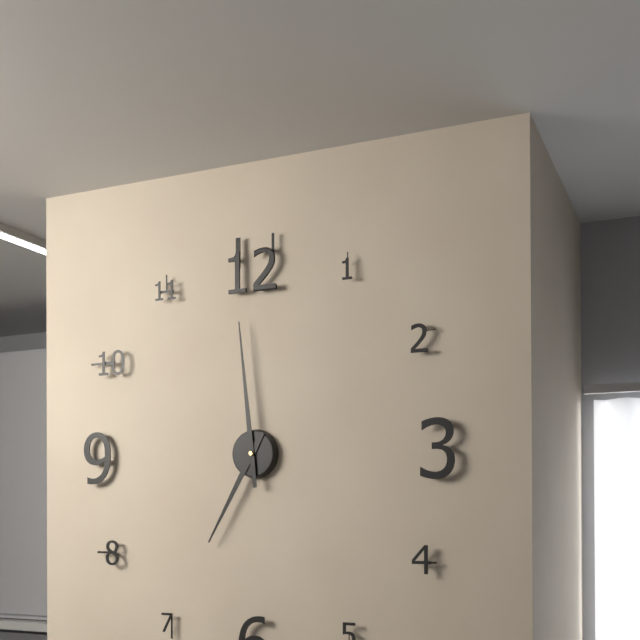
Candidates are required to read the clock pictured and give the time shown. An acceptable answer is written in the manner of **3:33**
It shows **6:59**
